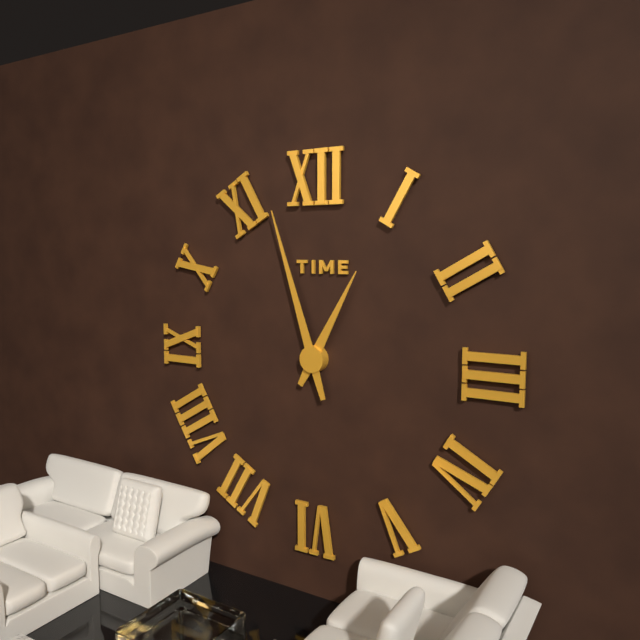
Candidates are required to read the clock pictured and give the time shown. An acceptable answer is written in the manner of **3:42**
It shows **12:57**
